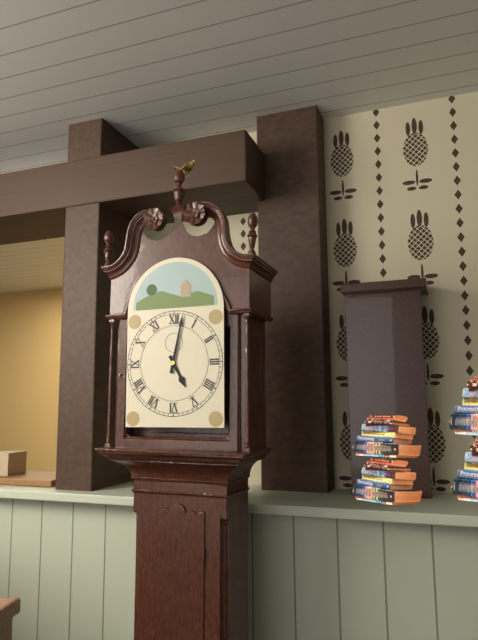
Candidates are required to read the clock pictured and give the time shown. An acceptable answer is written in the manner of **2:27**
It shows **5:02**
